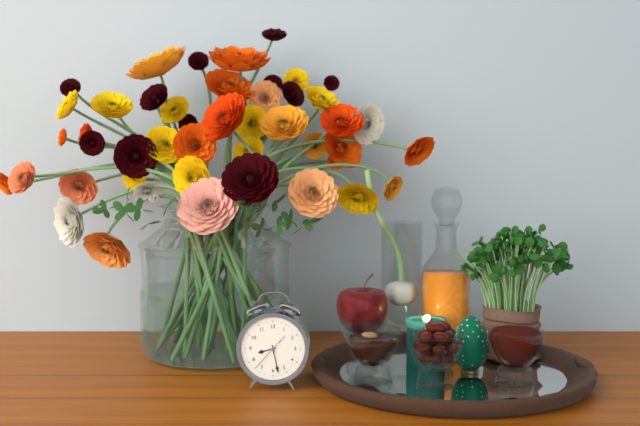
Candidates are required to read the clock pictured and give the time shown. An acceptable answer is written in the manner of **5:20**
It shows **8:28**
